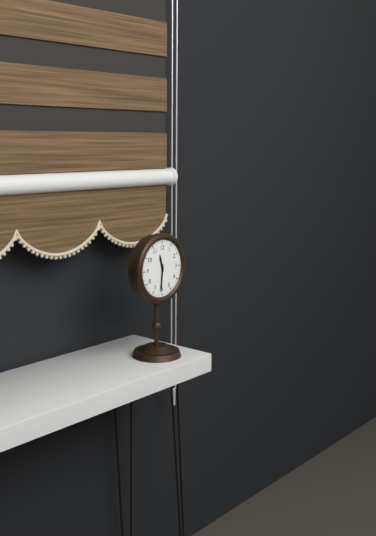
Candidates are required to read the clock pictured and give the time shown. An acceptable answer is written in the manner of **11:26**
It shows **11:31**
